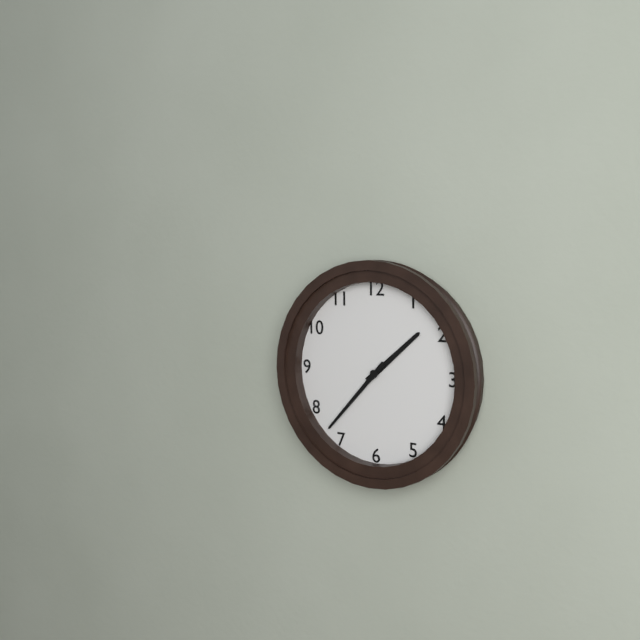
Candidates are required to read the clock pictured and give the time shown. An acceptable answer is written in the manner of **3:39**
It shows **1:37**
